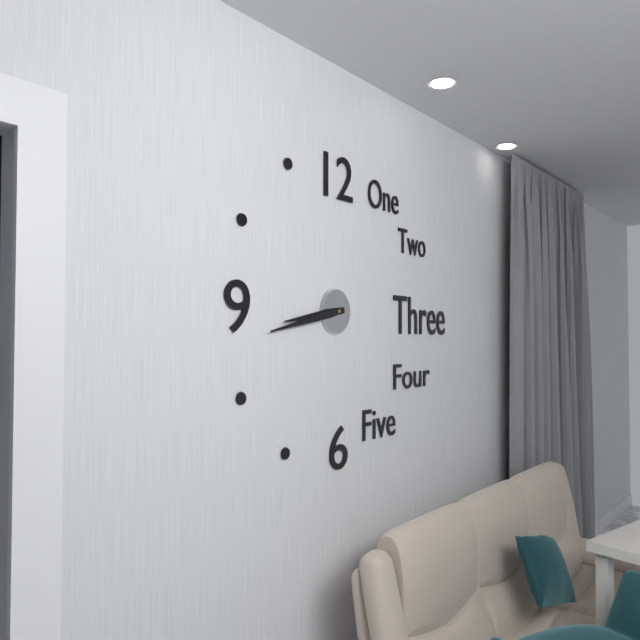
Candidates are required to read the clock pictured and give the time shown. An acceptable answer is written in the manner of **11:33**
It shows **8:43**
